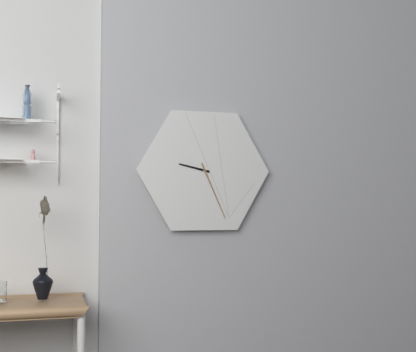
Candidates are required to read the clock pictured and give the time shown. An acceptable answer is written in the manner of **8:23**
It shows **9:26**
